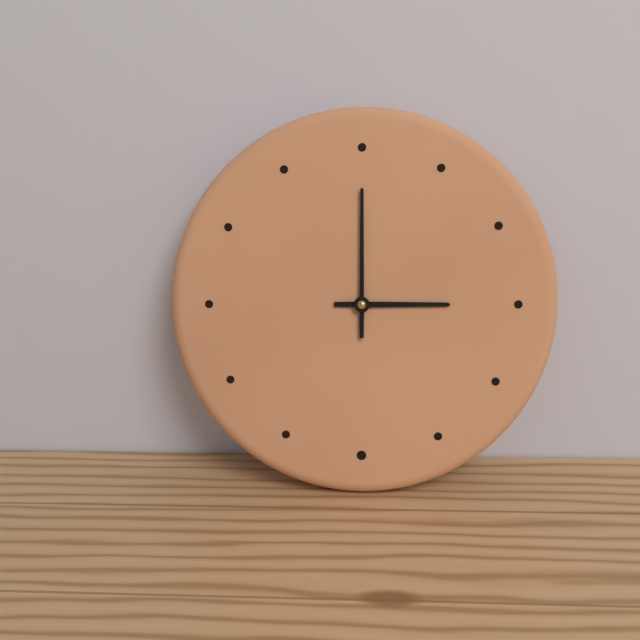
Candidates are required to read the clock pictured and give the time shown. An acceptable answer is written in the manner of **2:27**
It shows **3:00**
